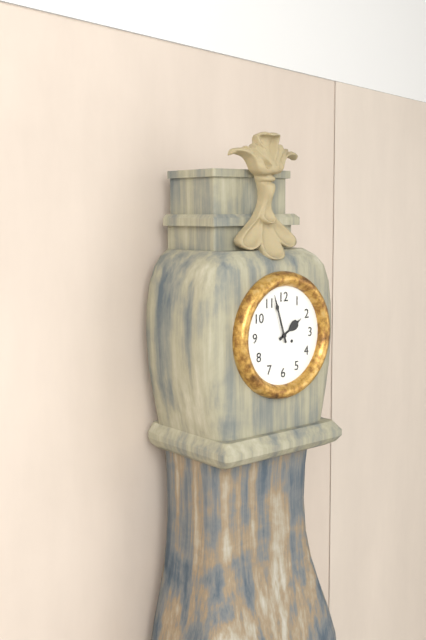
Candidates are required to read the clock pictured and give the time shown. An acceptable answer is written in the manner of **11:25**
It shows **1:57**
